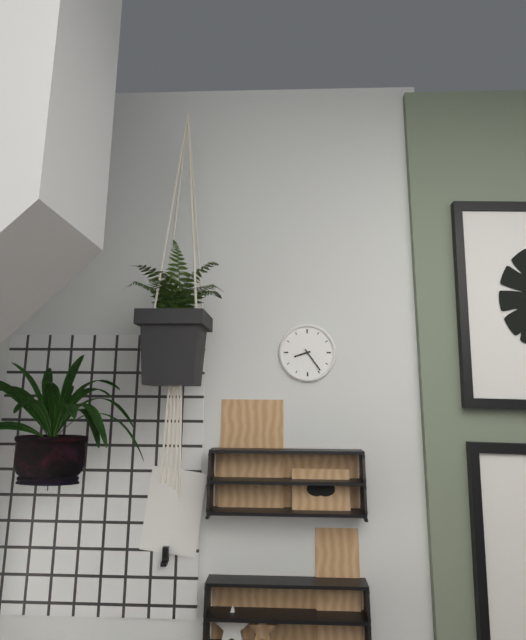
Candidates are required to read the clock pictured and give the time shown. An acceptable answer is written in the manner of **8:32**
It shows **8:24**
